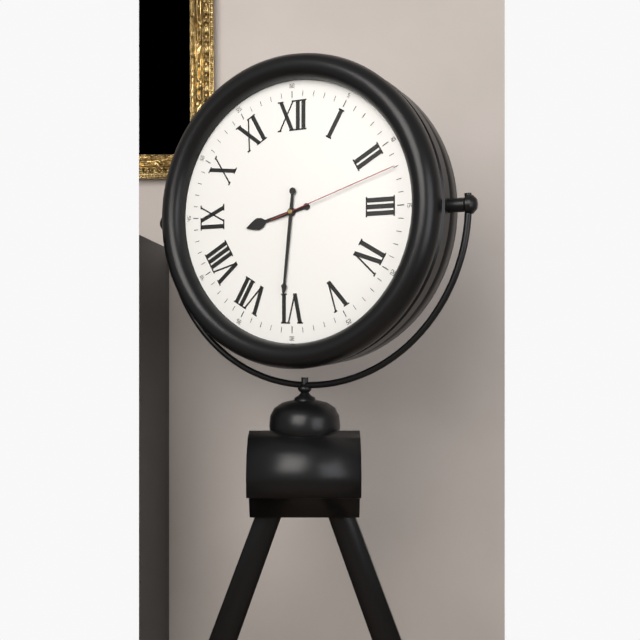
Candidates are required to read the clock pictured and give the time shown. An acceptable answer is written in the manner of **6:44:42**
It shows **8:31:12**
